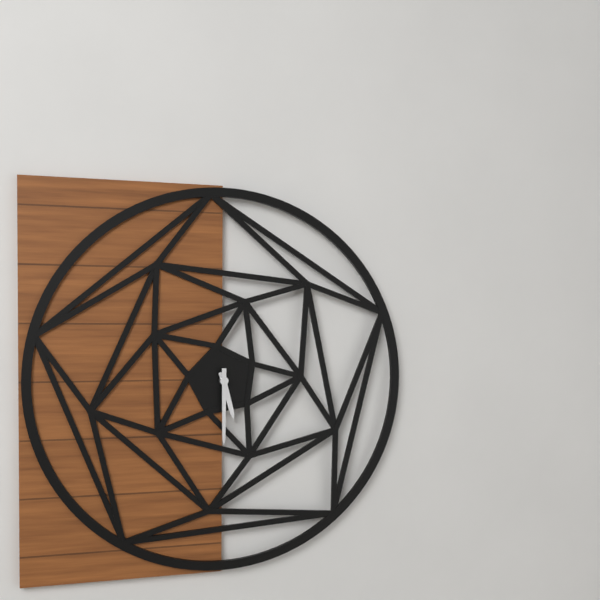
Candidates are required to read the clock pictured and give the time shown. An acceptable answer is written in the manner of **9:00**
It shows **5:30**
